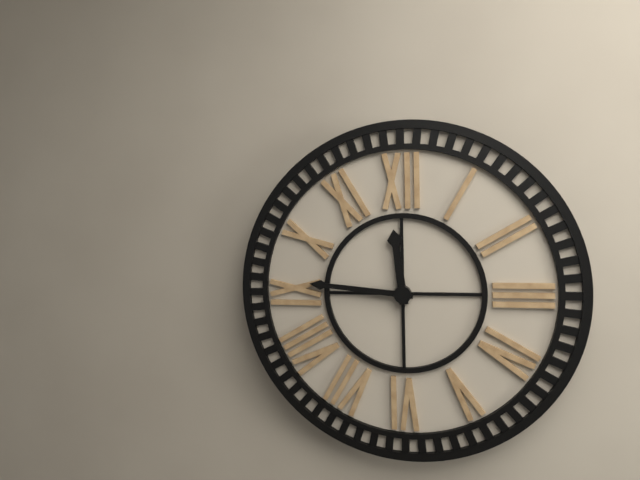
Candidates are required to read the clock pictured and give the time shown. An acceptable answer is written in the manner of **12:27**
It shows **11:46**
